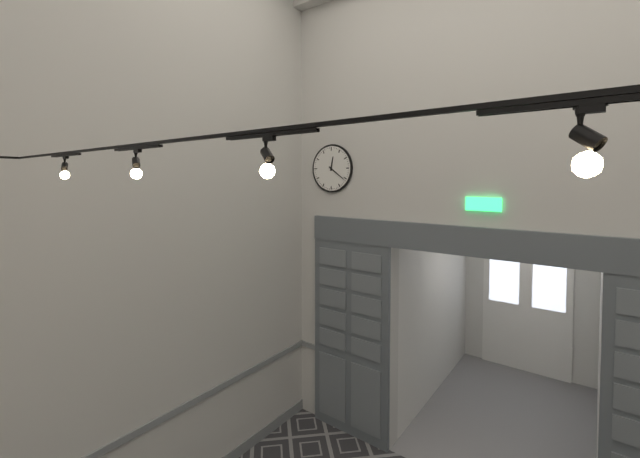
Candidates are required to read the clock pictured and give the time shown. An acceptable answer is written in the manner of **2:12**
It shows **12:21**
